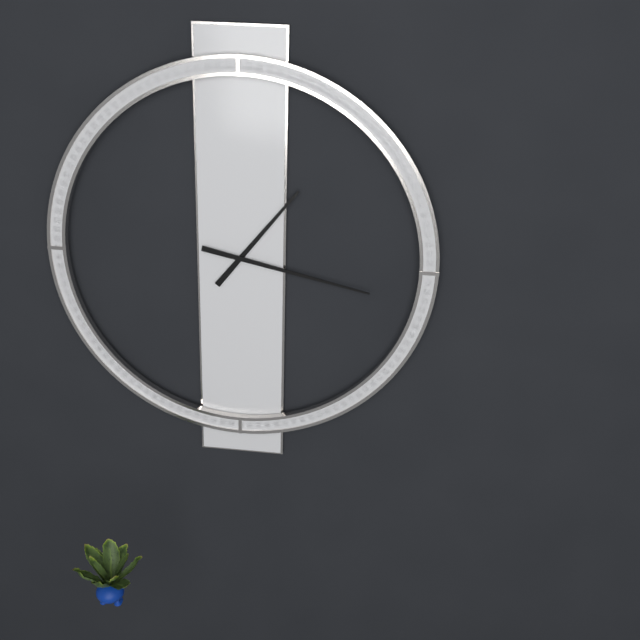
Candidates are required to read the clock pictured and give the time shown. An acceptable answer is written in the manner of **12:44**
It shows **1:17**
